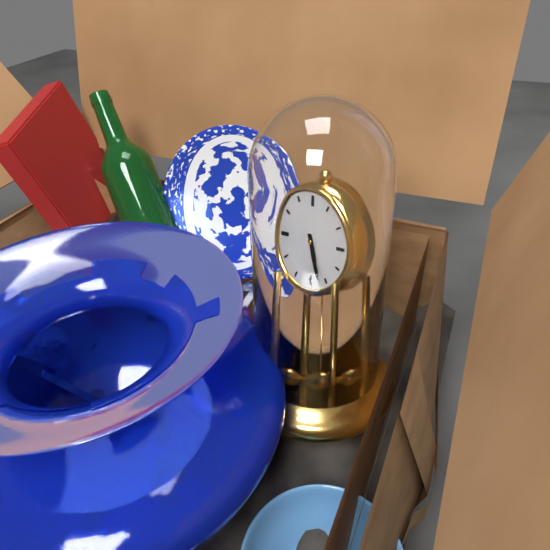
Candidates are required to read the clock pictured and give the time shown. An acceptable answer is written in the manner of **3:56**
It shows **5:27**
